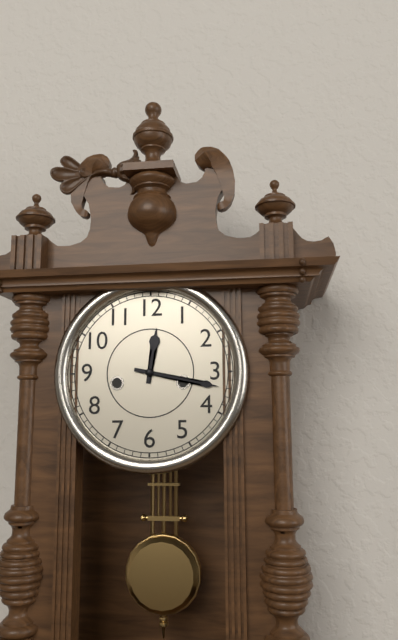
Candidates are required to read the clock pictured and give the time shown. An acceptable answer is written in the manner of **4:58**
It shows **12:17**
